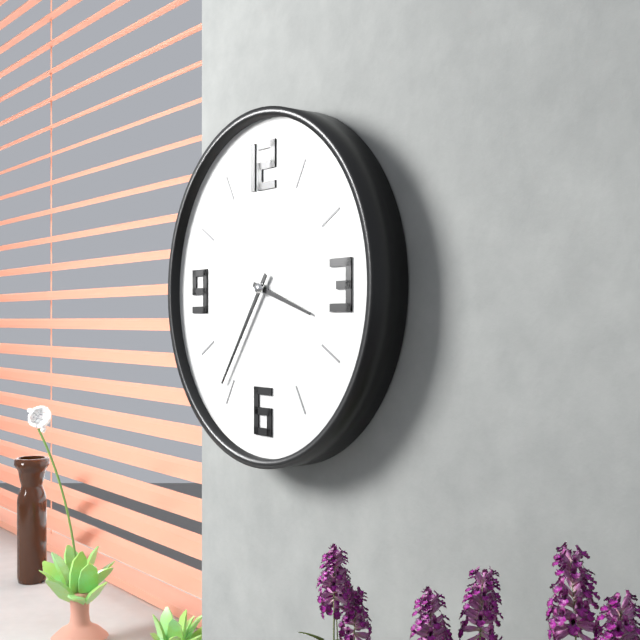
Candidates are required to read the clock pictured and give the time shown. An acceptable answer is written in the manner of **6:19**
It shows **3:36**
